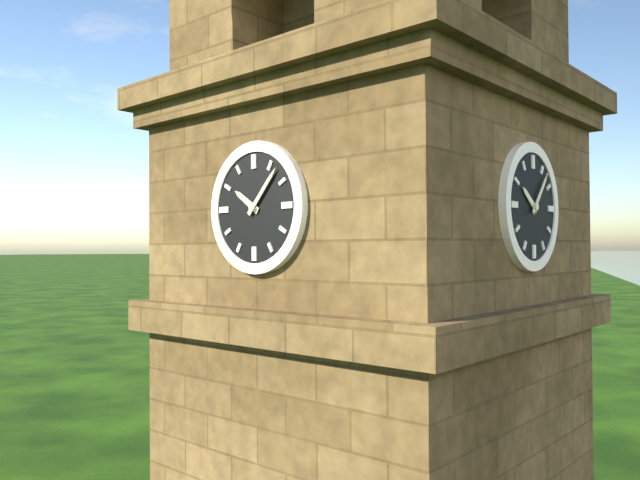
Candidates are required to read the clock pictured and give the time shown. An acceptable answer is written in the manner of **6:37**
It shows **10:07**
